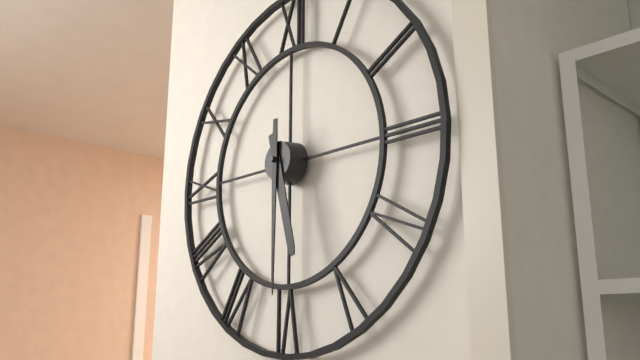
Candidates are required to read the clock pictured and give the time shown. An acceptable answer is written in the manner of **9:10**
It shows **5:30**
